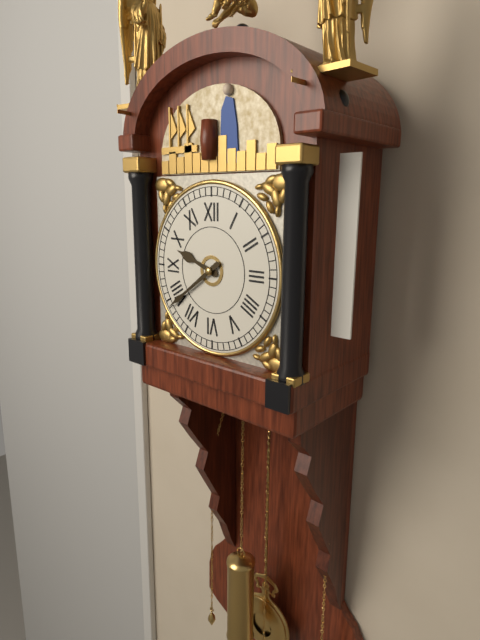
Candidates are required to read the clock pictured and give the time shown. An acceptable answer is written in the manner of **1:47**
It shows **9:39**
